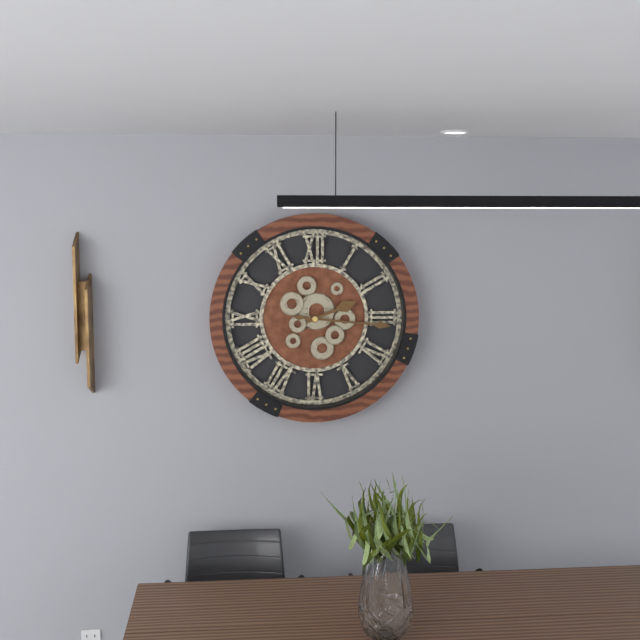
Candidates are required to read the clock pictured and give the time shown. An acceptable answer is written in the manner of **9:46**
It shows **2:16**
